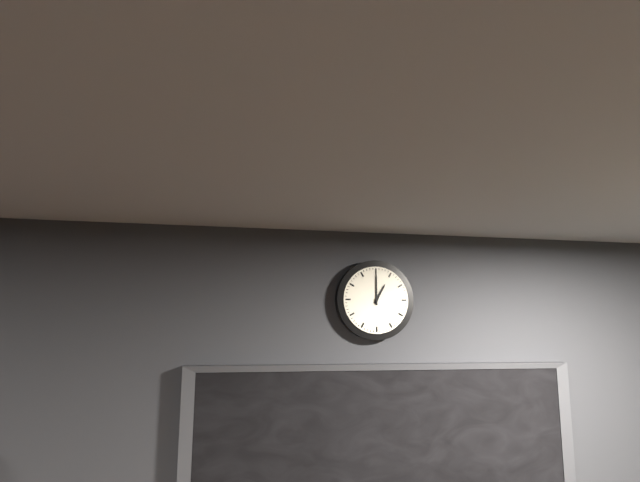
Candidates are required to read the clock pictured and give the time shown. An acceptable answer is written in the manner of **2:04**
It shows **1:00**
